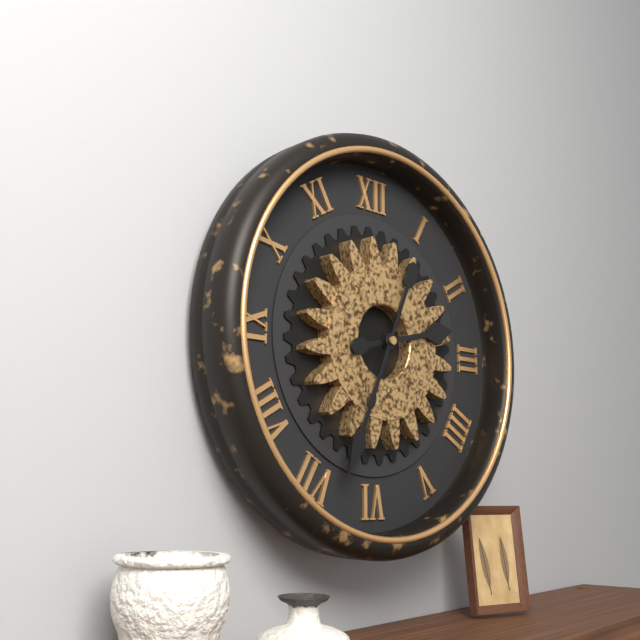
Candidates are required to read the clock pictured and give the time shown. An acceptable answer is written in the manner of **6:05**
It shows **2:34**
